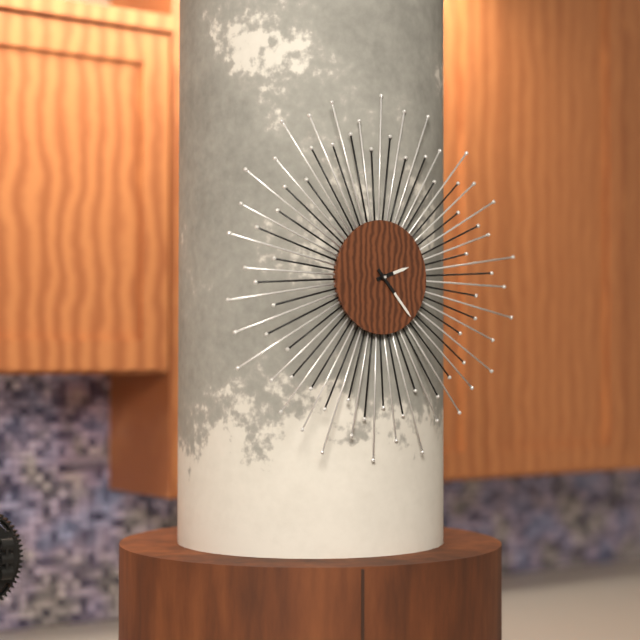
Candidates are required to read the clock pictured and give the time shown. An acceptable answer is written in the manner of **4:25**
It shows **2:23**
